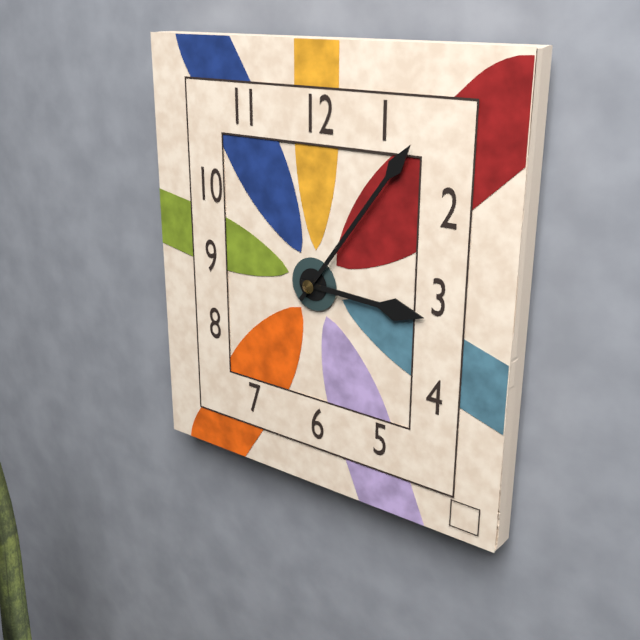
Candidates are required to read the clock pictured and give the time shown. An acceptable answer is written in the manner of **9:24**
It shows **3:06**
